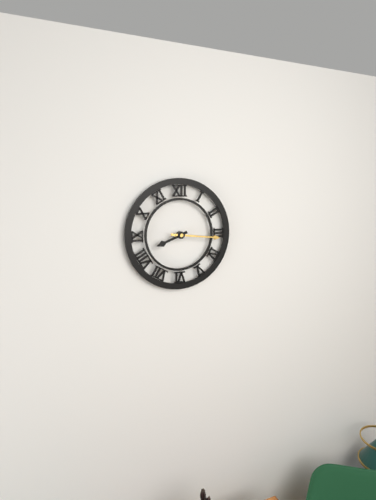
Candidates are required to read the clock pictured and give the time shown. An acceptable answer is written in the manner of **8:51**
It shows **8:16**
